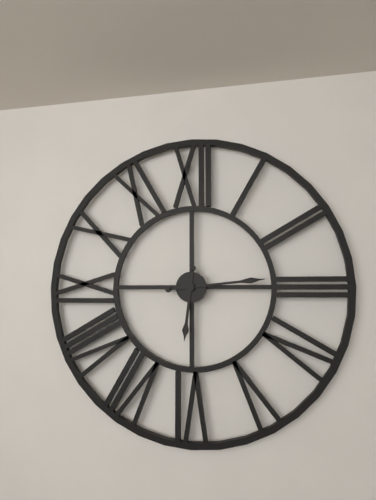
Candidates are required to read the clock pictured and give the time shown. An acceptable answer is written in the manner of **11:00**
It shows **6:14**
